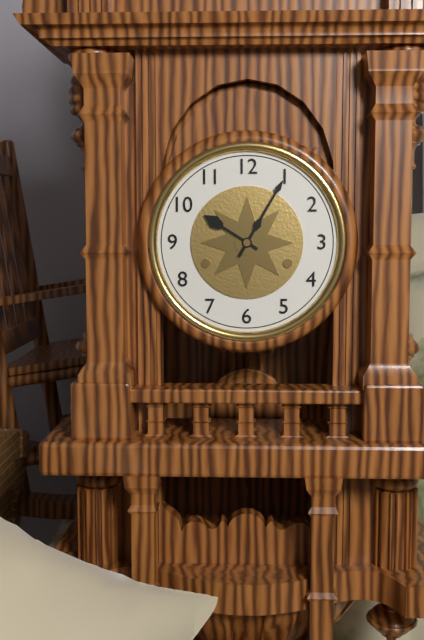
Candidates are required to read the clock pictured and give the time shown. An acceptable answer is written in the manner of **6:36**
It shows **10:05**
